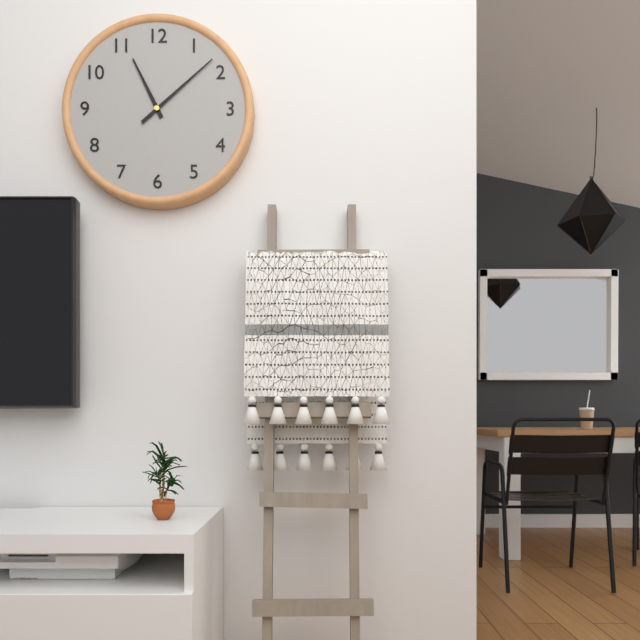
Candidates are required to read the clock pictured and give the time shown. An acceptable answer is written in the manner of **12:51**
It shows **11:08**
